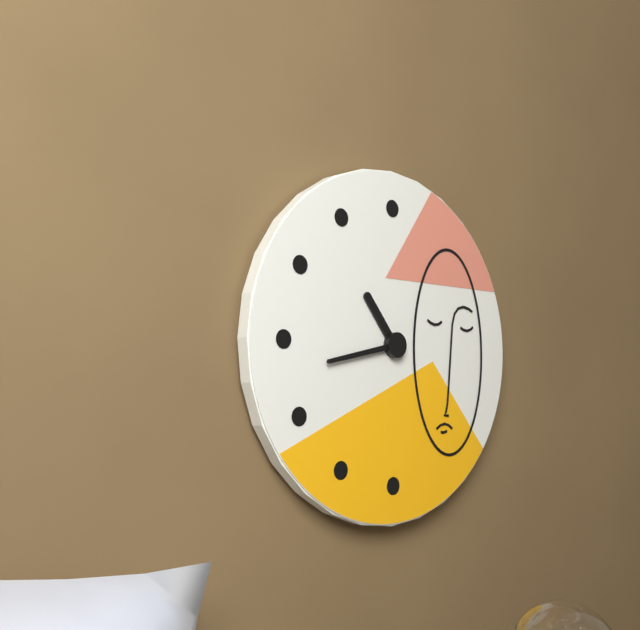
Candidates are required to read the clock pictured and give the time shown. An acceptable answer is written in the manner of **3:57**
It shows **10:43**
